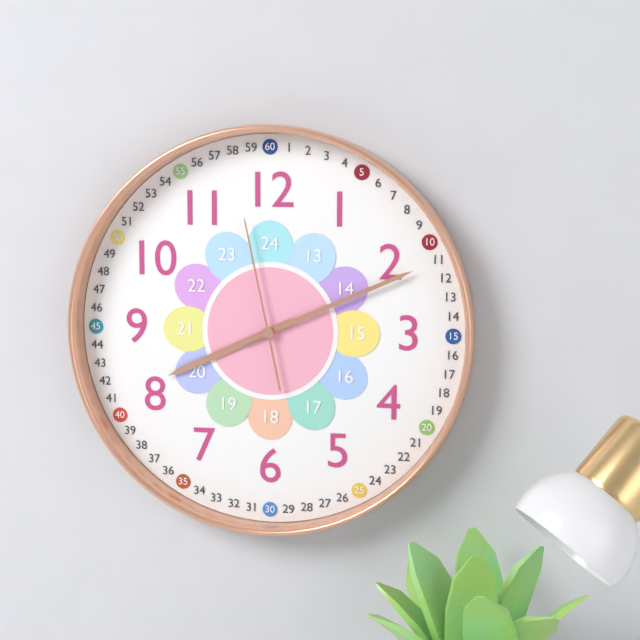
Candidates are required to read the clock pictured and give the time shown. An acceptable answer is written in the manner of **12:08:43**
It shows **8:11:58**
